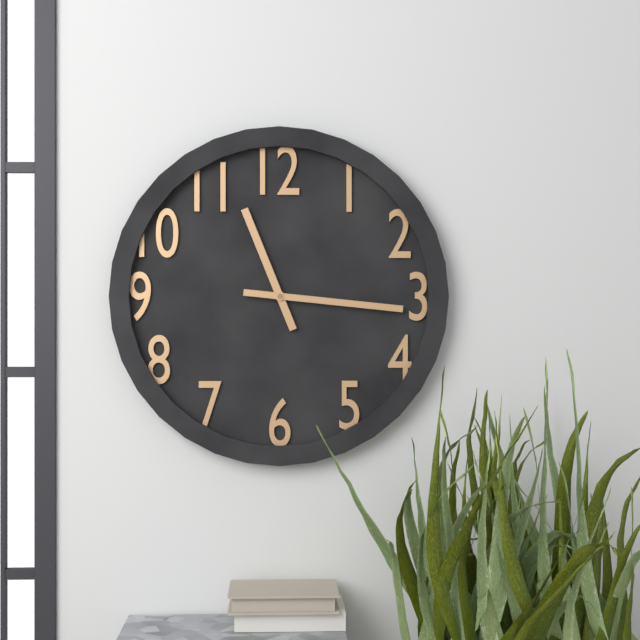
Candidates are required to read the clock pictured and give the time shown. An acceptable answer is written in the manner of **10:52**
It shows **11:16**
